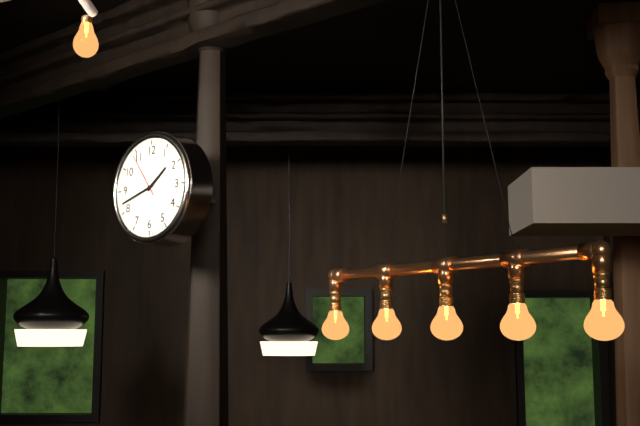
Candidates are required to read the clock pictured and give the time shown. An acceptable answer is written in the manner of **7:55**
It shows **1:42**
